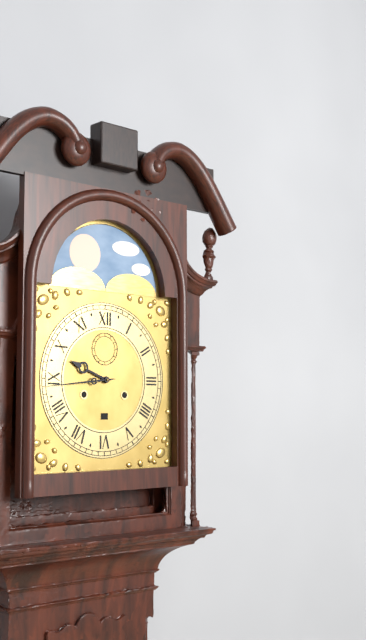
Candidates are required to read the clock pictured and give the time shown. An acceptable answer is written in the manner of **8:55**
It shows **9:44**
